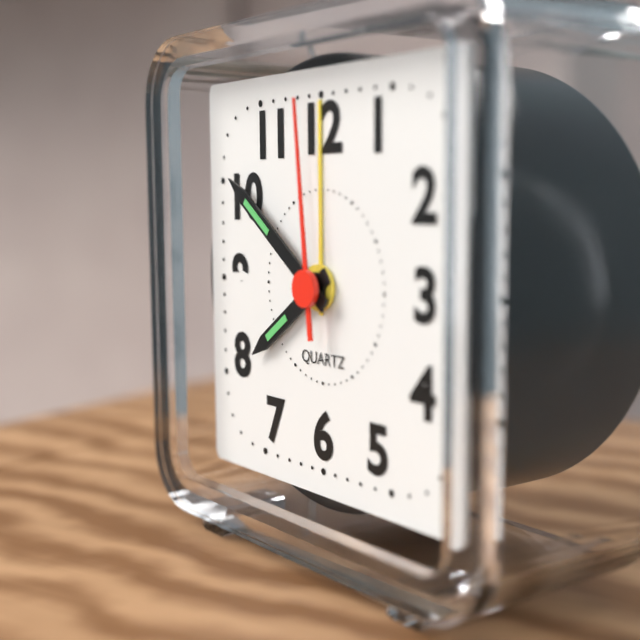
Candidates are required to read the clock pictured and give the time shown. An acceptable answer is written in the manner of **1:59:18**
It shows **7:51:59**
